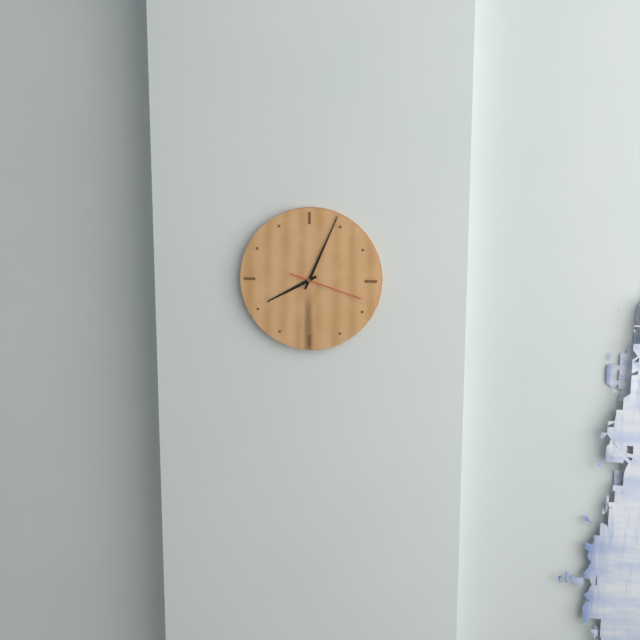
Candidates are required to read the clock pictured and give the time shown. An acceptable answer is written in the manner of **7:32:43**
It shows **8:04:18**
